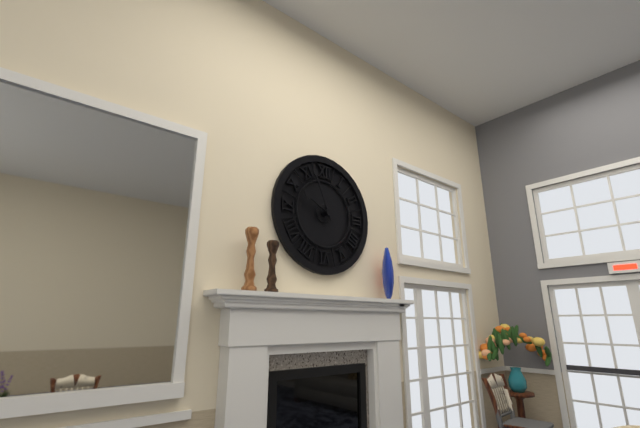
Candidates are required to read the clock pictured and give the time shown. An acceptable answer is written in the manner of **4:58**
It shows **9:56**
